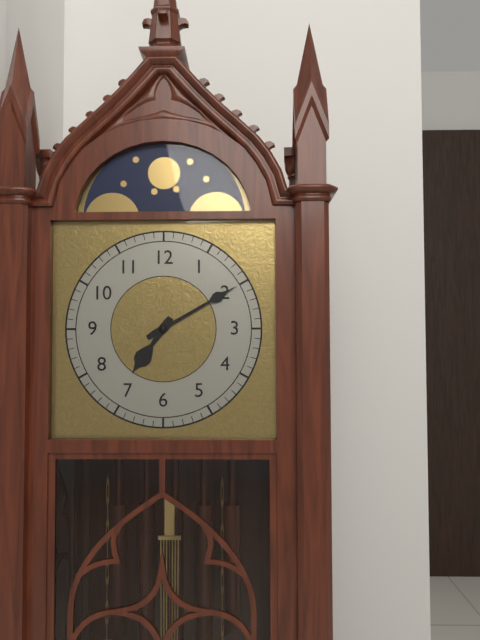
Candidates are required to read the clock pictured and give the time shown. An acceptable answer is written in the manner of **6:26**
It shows **7:10**
